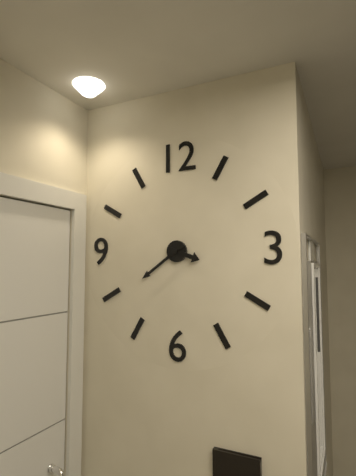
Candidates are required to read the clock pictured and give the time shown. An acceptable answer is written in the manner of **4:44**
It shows **3:39**
